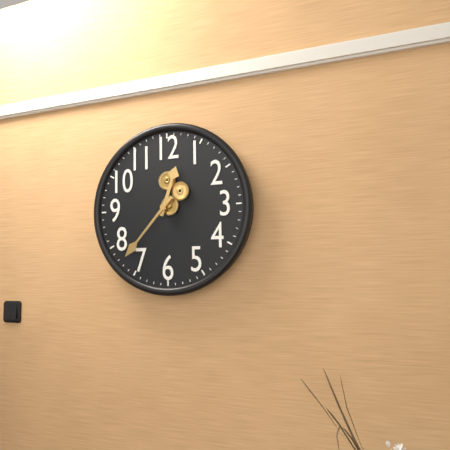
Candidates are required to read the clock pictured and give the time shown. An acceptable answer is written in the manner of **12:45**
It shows **12:37**
